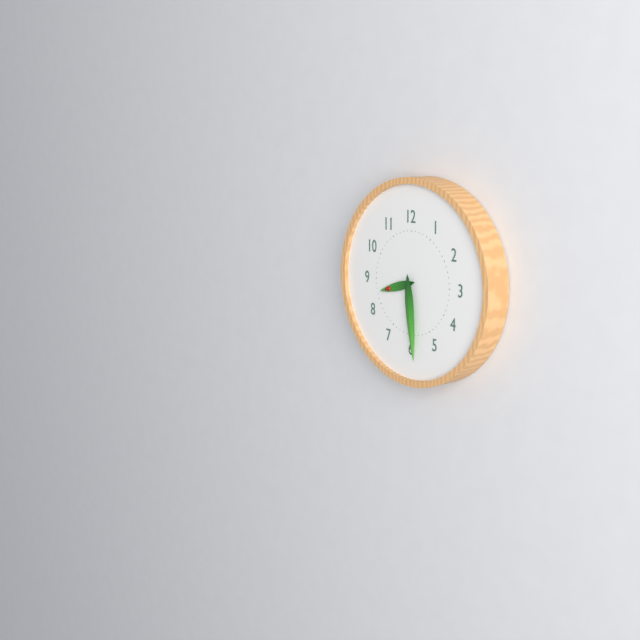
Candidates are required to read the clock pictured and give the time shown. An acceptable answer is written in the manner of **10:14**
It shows **8:29**
